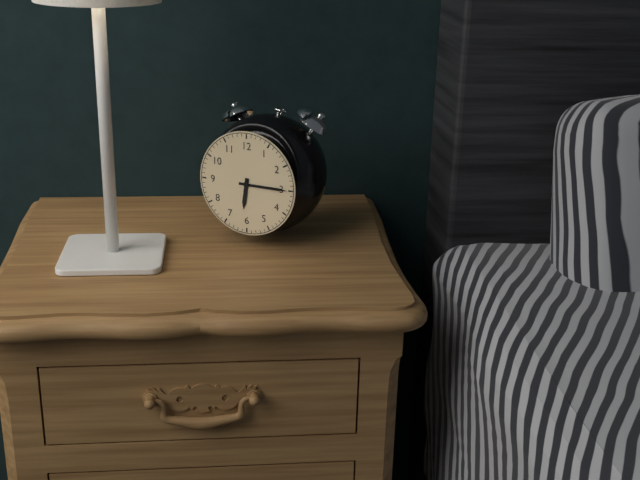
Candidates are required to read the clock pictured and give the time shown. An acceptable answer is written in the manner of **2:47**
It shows **6:15**
